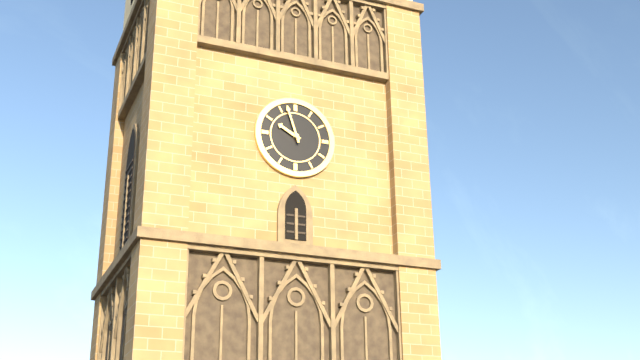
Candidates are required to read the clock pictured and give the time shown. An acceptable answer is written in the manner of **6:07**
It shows **9:57**
